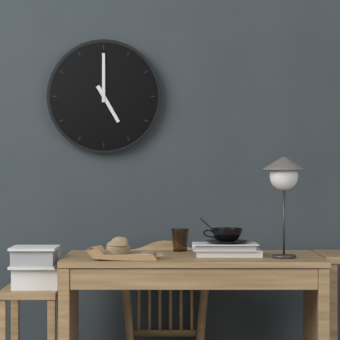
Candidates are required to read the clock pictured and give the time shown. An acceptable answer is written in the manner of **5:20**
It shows **5:00**
